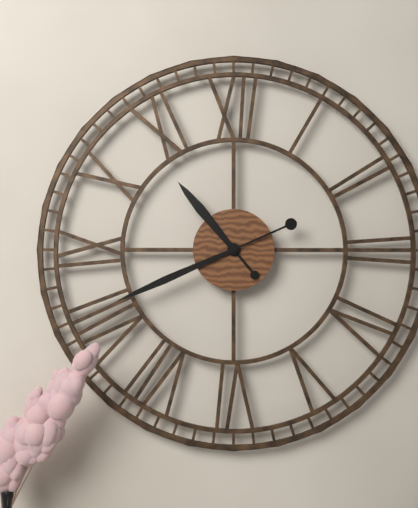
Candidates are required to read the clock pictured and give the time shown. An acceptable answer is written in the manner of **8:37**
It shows **10:41**
